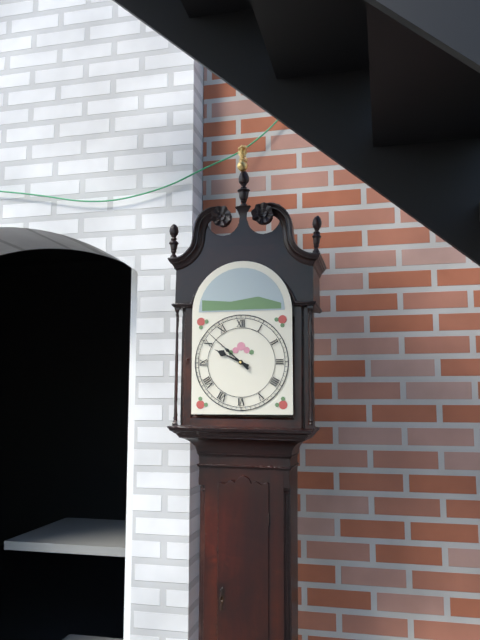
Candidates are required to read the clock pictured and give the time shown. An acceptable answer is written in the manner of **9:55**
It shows **9:52**
